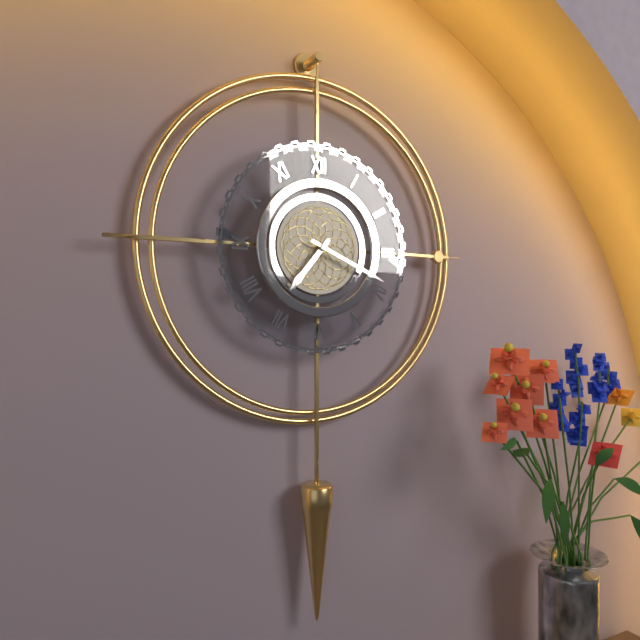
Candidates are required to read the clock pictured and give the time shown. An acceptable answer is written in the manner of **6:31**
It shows **7:19**
